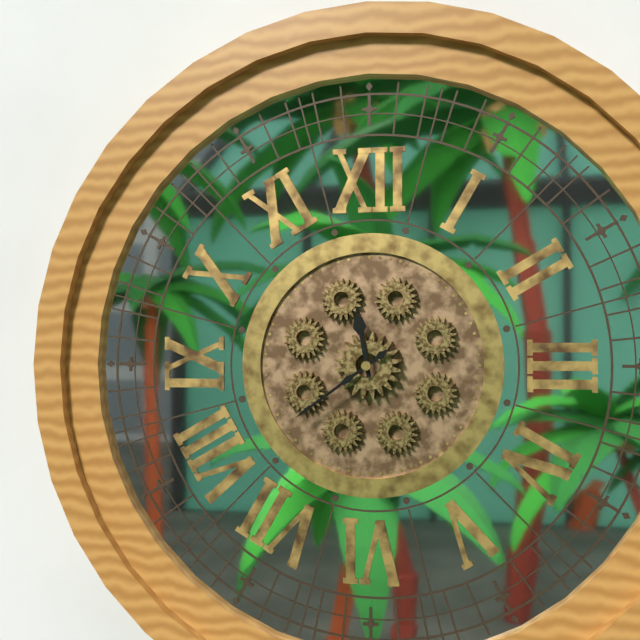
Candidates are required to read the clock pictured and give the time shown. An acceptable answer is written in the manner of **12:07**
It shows **11:39**
